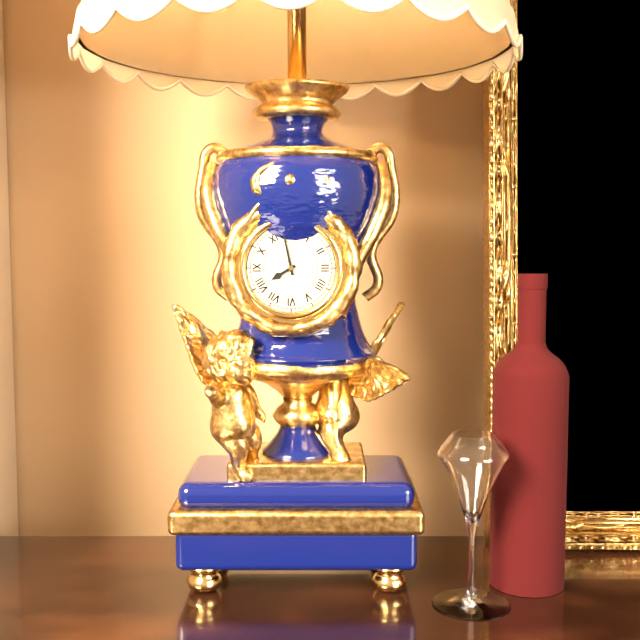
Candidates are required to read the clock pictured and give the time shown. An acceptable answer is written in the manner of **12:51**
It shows **7:58**
